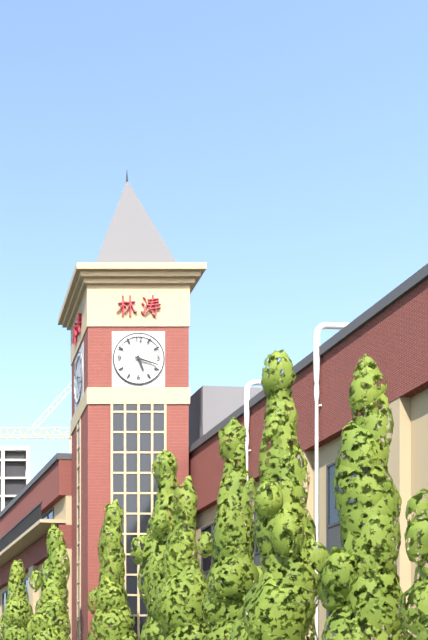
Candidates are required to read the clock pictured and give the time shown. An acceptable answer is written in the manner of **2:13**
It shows **5:18**
